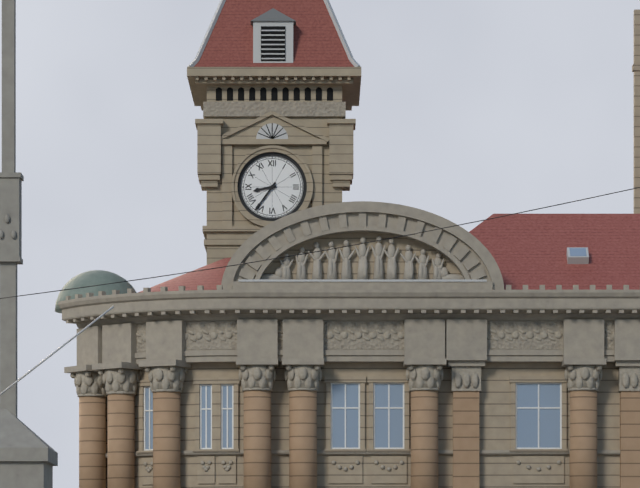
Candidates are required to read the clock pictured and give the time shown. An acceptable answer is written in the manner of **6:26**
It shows **8:36**
